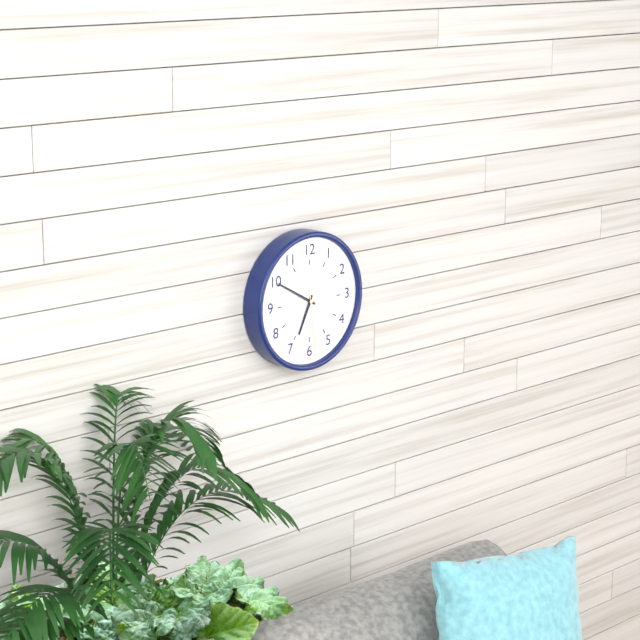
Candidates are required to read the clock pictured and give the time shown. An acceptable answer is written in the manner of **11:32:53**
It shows **6:50:29**
